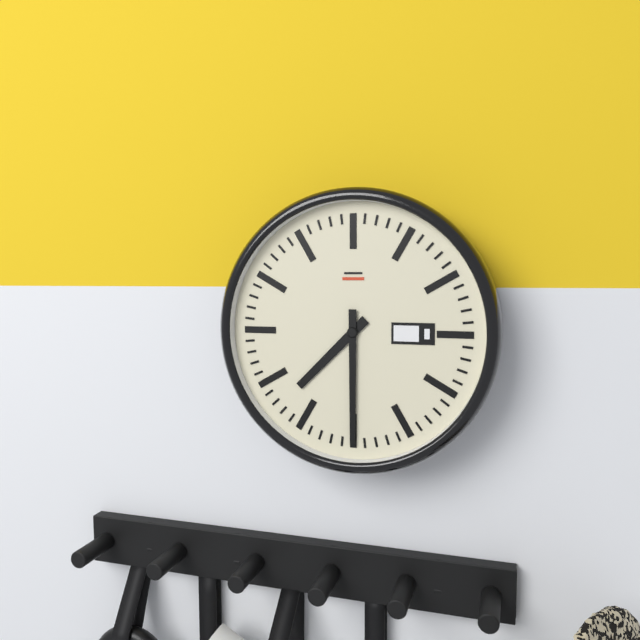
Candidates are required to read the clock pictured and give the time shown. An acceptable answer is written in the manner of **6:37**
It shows **7:30**
